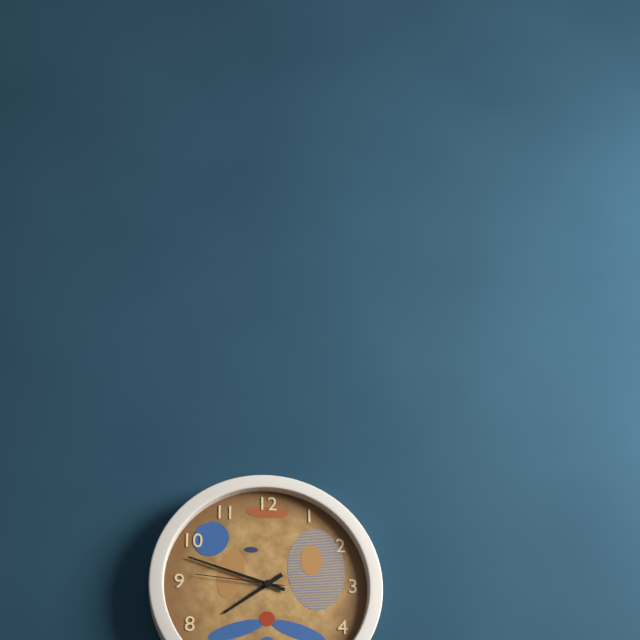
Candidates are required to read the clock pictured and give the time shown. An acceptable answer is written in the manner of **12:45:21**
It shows **7:48:46**
